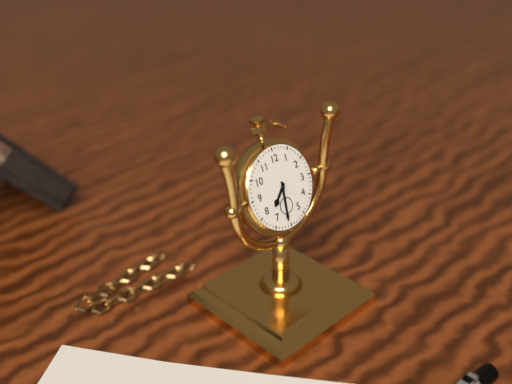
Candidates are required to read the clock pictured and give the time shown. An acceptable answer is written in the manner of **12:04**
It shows **7:31**
